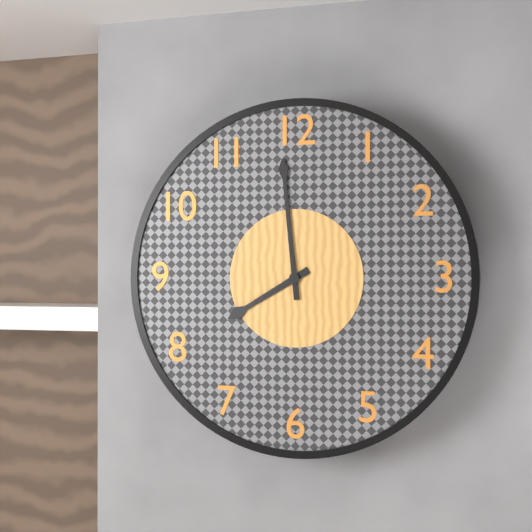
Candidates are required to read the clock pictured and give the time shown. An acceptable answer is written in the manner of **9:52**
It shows **7:59**
